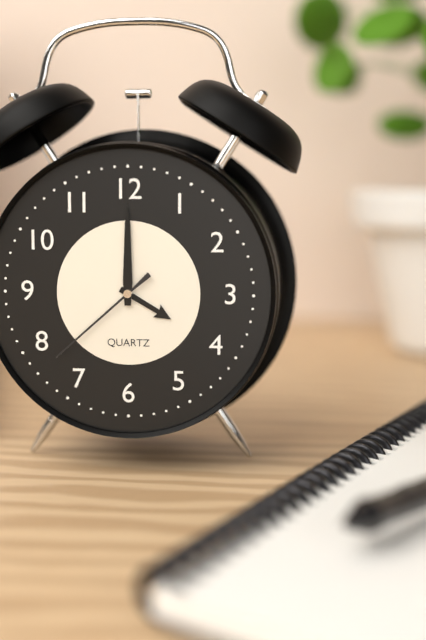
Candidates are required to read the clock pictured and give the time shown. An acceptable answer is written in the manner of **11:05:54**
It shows **4:00:38**
